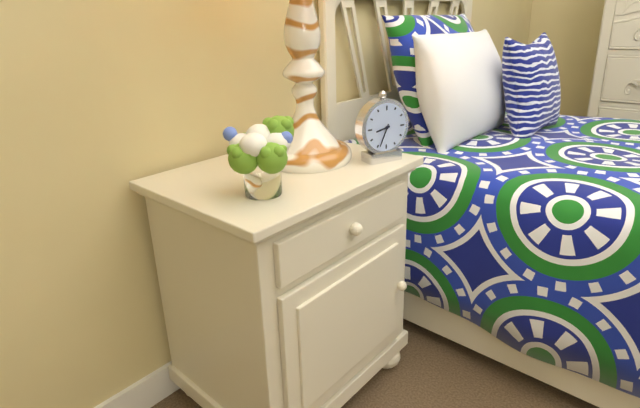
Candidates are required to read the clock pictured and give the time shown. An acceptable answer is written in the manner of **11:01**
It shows **8:34**
